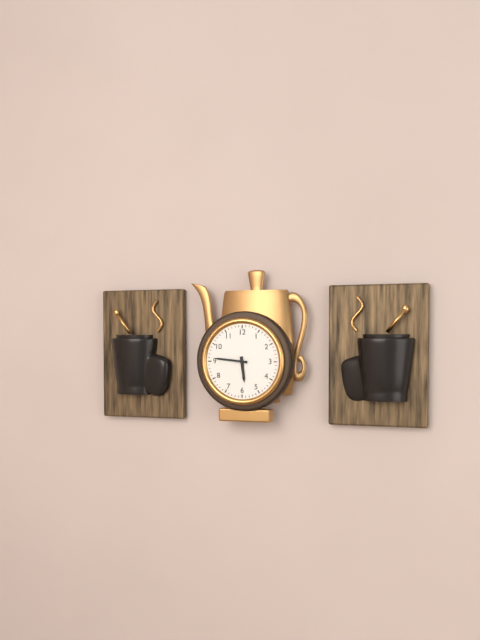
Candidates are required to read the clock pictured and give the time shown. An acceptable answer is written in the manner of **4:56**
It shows **5:46**
